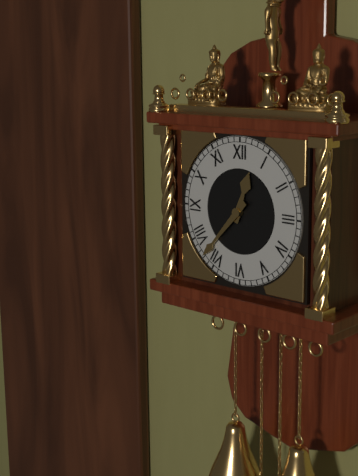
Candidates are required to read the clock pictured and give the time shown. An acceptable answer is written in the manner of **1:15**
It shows **12:37**
